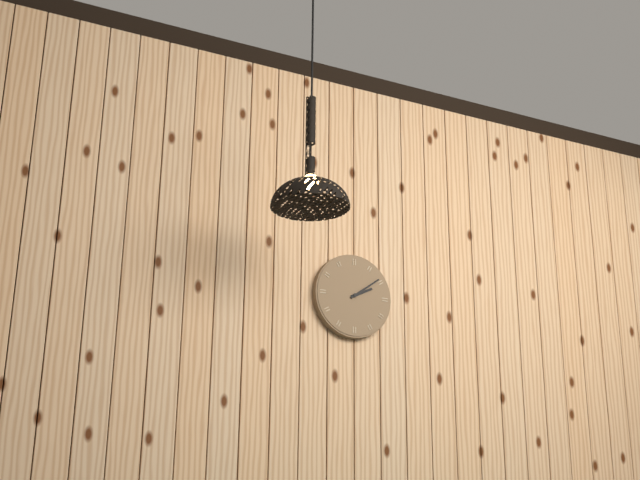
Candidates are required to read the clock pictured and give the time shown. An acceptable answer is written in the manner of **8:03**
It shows **2:09**
